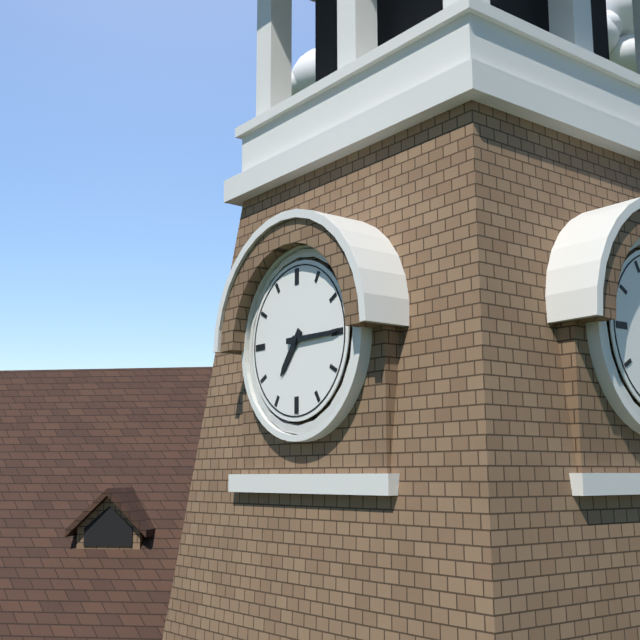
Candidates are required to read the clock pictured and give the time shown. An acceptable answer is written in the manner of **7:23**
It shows **7:15**
